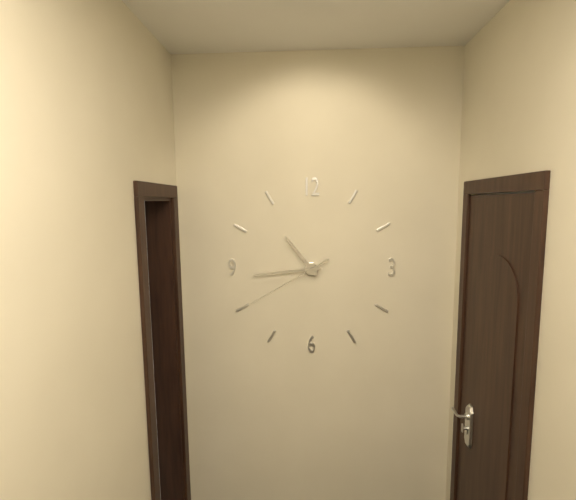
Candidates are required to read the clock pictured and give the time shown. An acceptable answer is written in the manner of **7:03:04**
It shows **10:44:40**
